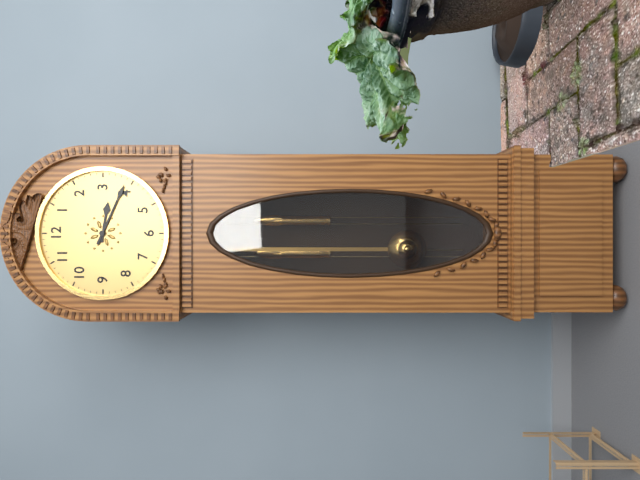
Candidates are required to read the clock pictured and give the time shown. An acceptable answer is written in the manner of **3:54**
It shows **3:19**
